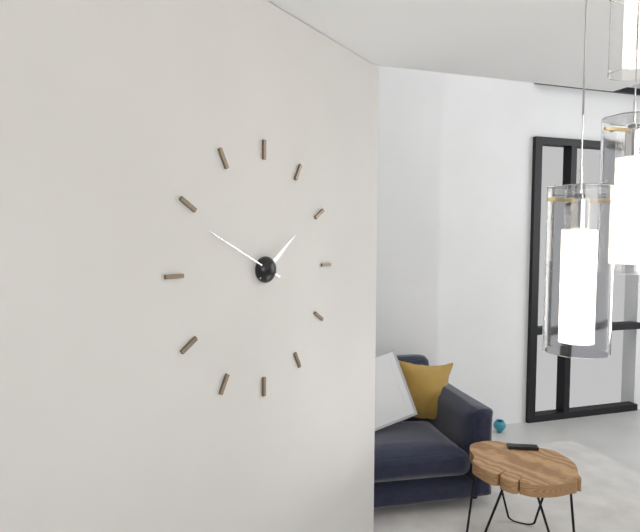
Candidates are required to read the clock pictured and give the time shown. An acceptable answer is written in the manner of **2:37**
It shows **1:49**
